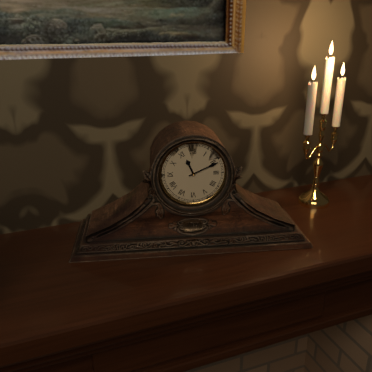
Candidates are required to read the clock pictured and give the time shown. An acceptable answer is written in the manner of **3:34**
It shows **11:11**
